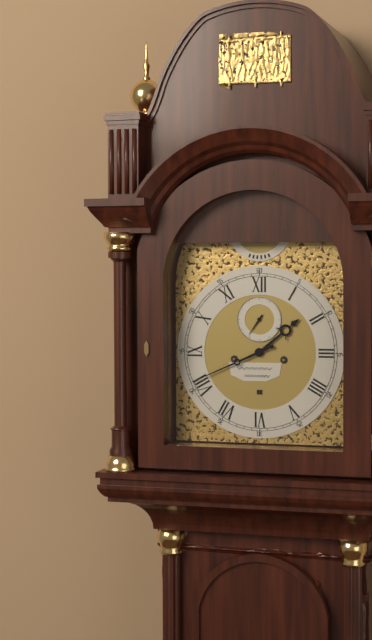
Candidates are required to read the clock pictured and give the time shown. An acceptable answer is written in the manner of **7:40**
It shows **1:41**
